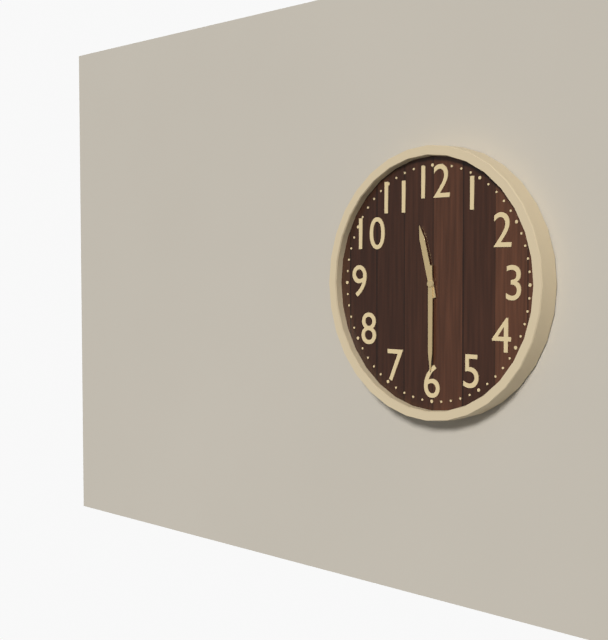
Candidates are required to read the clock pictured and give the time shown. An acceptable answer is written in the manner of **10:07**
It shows **11:30**
